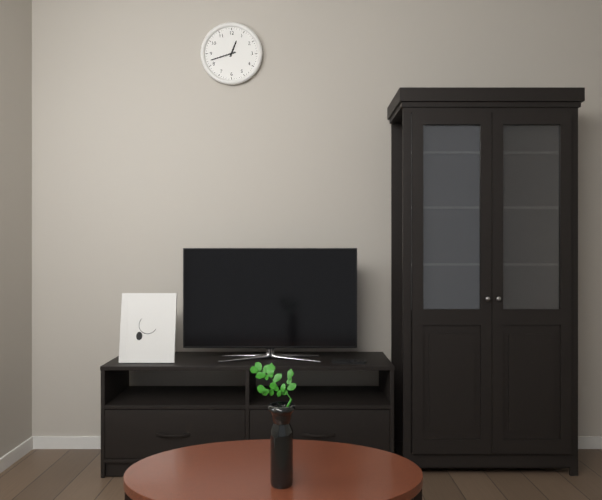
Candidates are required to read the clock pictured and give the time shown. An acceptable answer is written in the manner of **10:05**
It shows **12:42**
